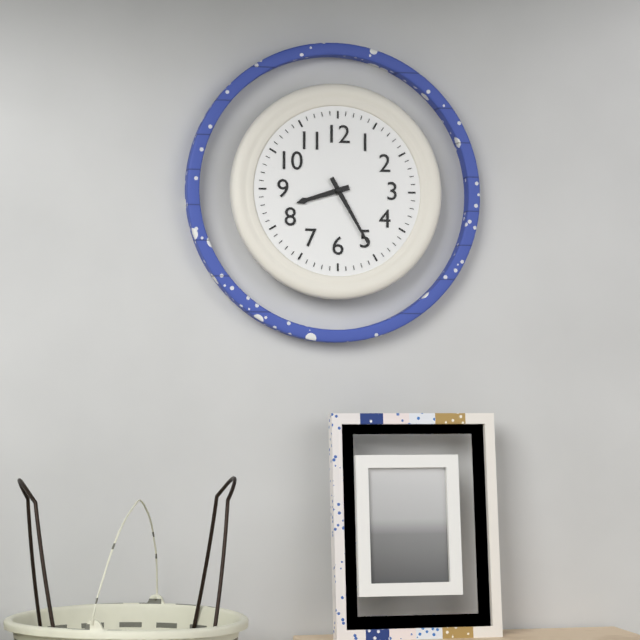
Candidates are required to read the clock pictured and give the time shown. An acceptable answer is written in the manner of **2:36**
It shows **8:25**
